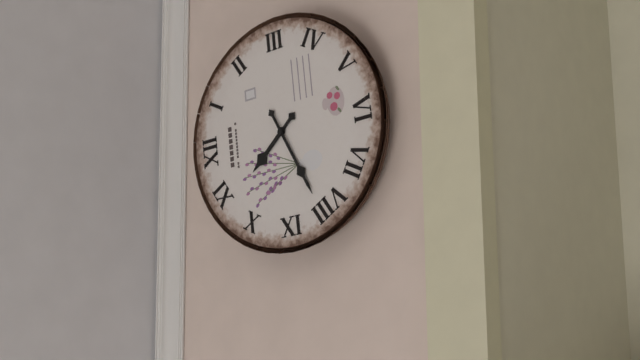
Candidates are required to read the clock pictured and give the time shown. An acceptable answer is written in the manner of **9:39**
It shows **10:41**
